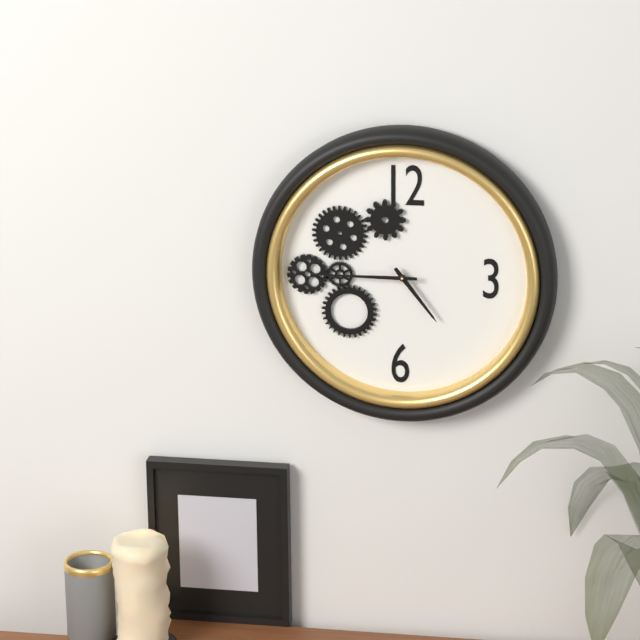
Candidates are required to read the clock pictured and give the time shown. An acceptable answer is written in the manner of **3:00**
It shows **4:45**
